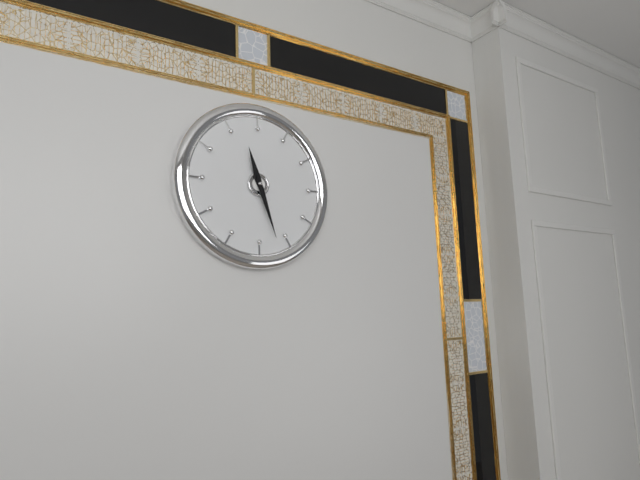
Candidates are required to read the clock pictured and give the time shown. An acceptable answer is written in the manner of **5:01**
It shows **11:27**
